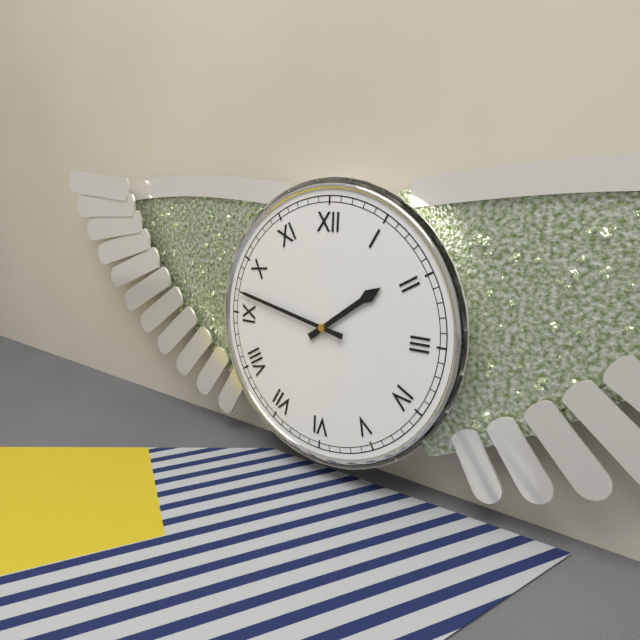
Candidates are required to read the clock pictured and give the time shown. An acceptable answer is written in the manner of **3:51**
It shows **1:47**
